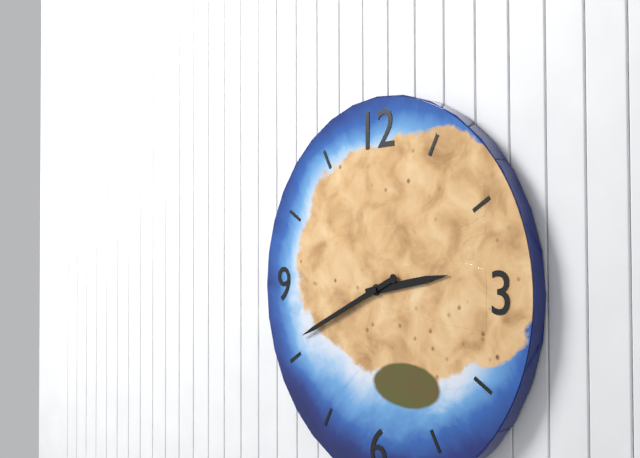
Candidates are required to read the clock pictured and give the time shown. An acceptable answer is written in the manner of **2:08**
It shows **2:41**
